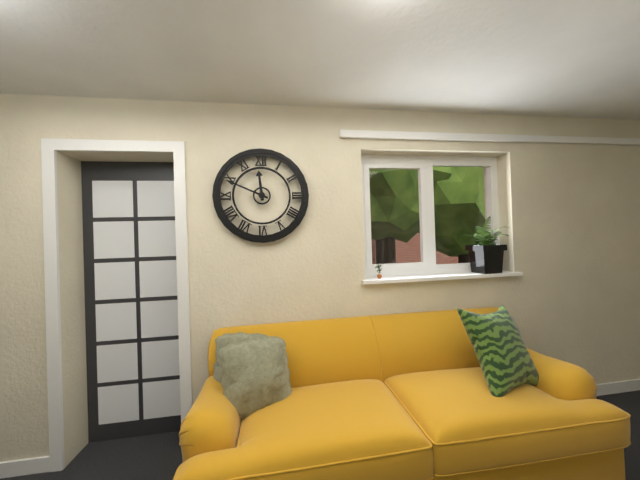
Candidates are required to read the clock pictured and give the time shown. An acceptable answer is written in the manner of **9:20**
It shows **11:49**
